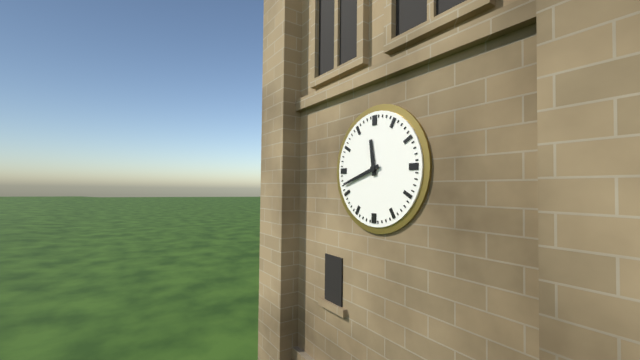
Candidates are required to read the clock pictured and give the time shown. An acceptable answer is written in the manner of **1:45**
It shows **11:42**
